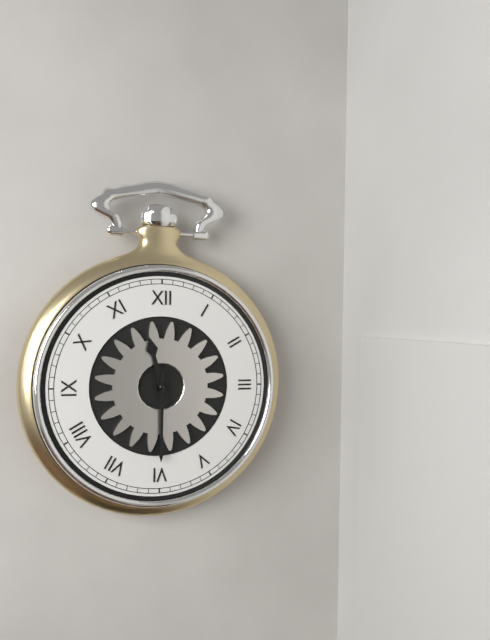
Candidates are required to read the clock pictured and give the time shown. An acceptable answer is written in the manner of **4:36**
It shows **11:30**
